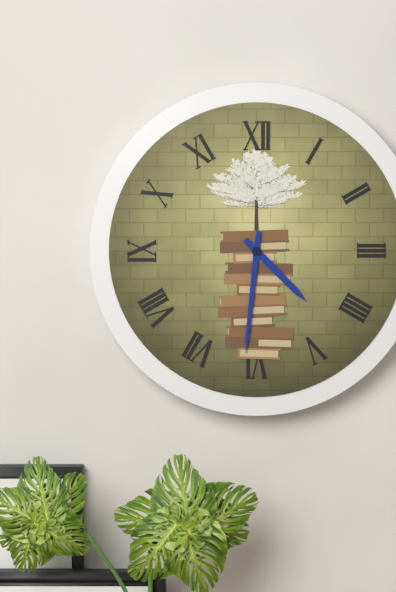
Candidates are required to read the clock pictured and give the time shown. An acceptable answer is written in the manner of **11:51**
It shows **4:31**
